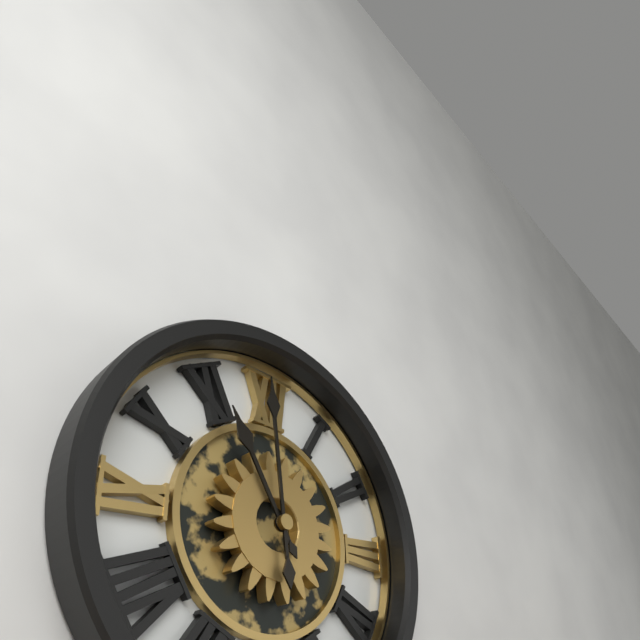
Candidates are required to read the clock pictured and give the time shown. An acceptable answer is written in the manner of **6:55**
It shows **10:59**
